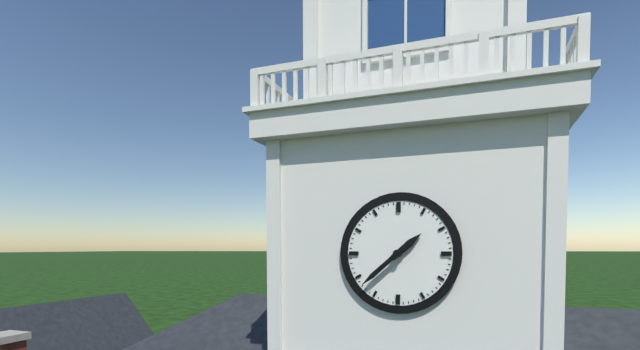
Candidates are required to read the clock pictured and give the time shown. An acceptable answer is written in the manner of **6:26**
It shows **1:38**
